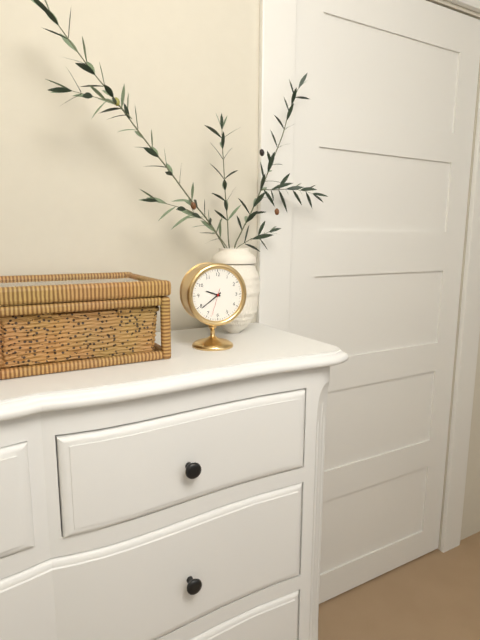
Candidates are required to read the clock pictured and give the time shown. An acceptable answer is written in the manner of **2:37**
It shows **9:39**
